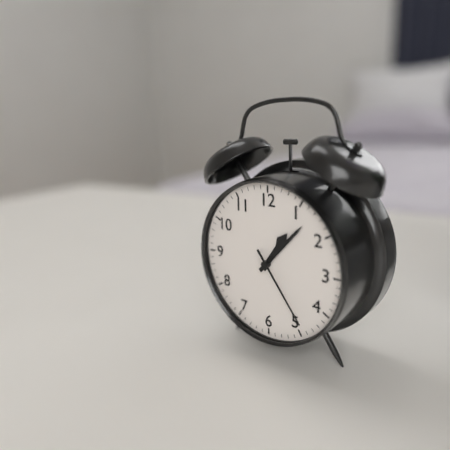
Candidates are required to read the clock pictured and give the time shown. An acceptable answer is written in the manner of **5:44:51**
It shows **1:07:24**
